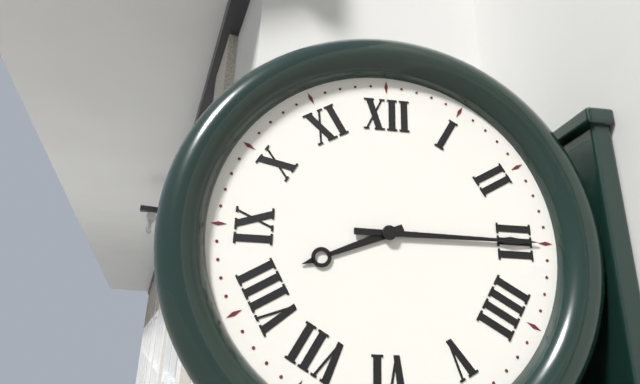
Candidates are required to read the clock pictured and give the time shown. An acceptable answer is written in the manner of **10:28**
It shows **8:15**
